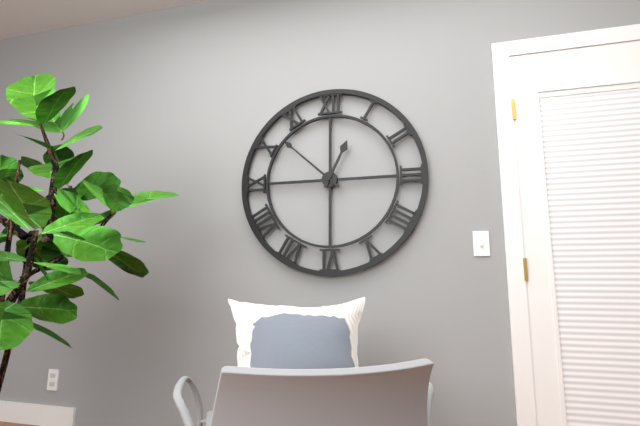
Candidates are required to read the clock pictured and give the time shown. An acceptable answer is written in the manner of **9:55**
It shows **12:52**
